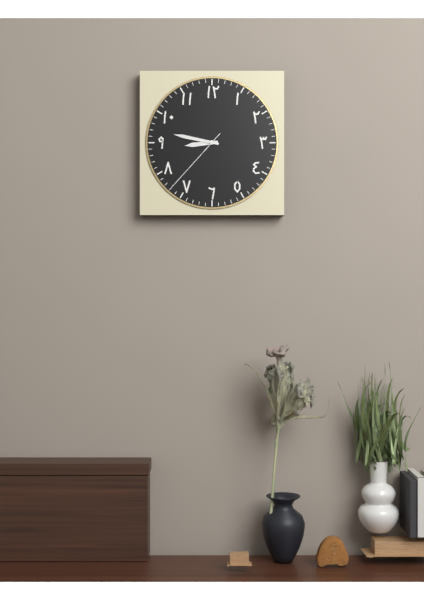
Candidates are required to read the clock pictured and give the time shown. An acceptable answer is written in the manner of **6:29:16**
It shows **8:47:37**
